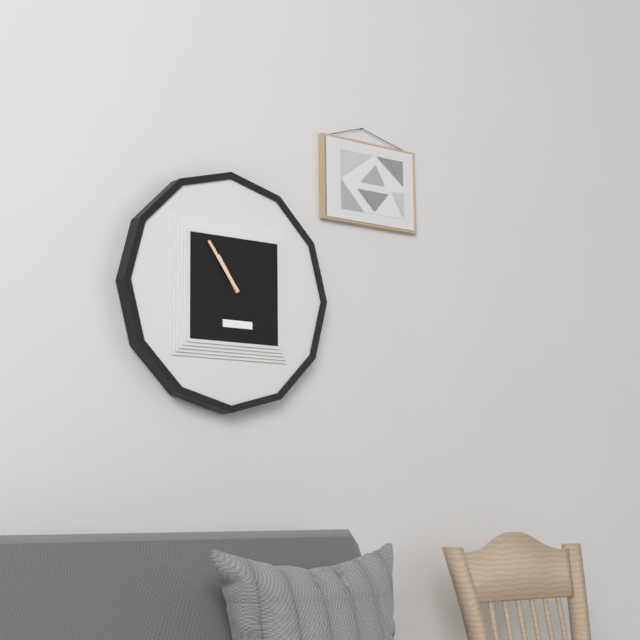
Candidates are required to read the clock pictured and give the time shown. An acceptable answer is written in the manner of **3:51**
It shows **10:54**
